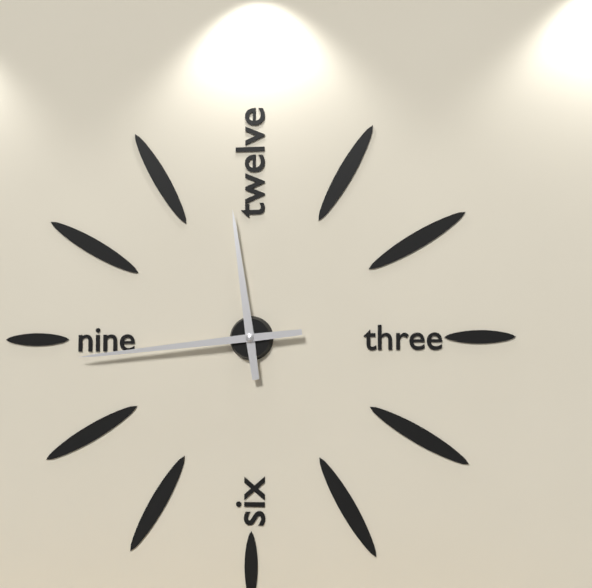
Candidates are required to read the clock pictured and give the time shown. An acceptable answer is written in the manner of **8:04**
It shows **11:44**
